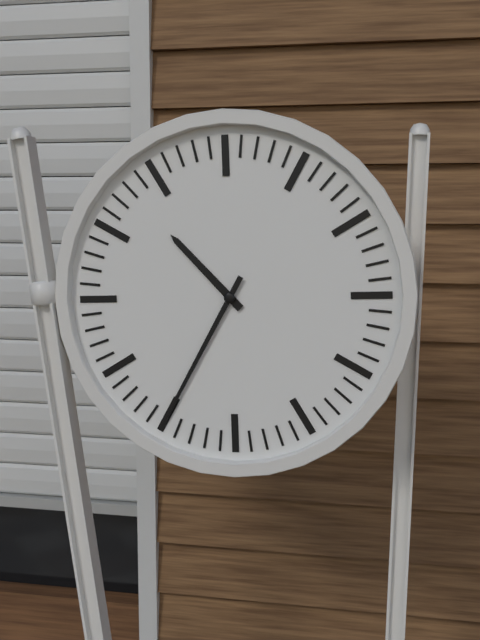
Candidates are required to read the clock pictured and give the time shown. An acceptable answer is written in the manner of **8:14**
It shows **10:35**
